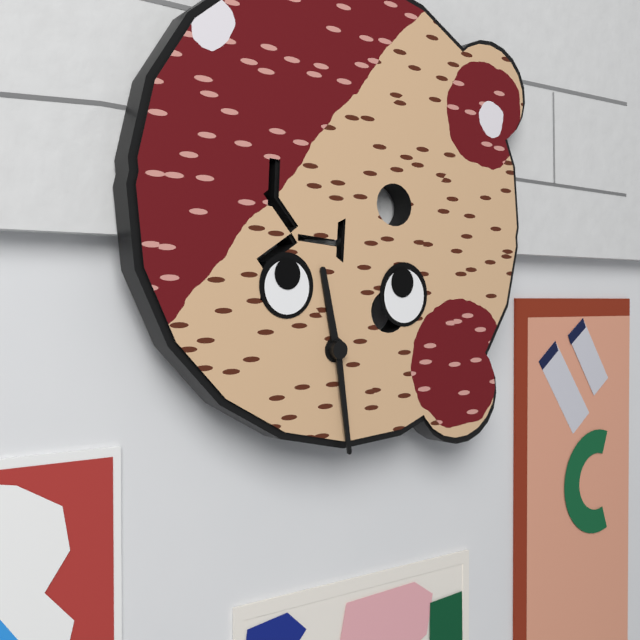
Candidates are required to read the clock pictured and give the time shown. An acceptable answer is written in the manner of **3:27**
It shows **11:28**
